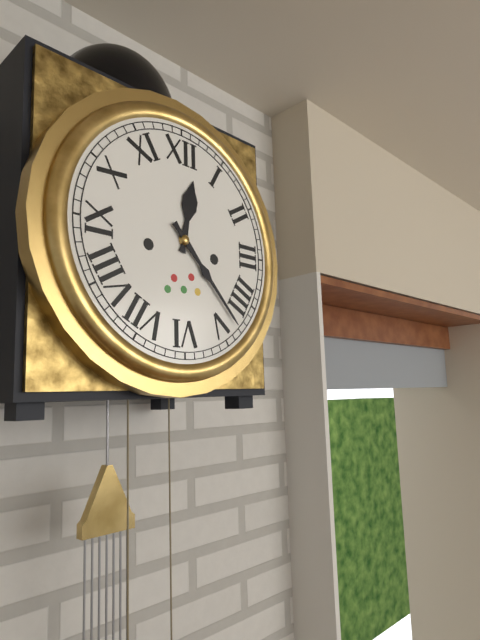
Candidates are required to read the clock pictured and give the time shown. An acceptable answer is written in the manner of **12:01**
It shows **12:23**
